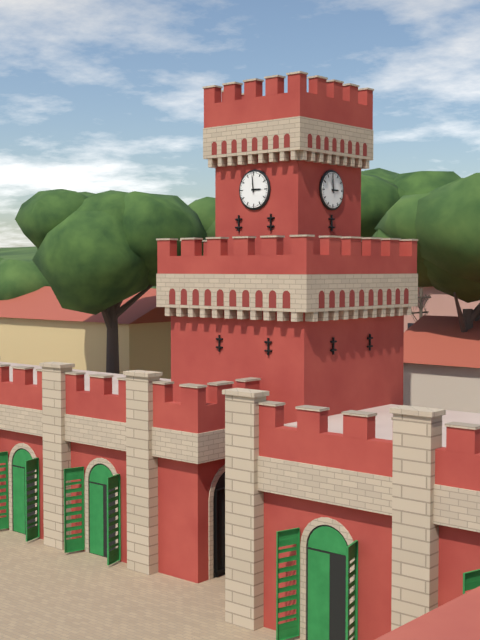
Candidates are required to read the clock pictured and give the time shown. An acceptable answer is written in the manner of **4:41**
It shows **2:59**
